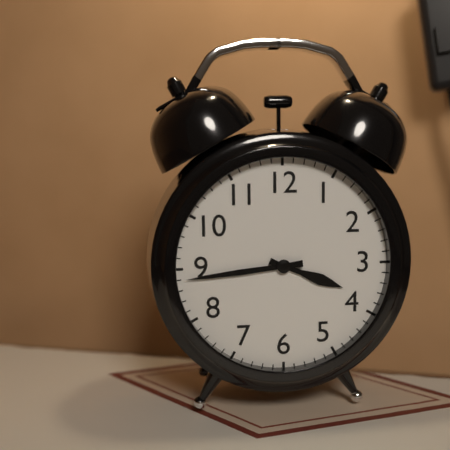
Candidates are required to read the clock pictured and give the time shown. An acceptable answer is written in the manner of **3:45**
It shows **3:44**
